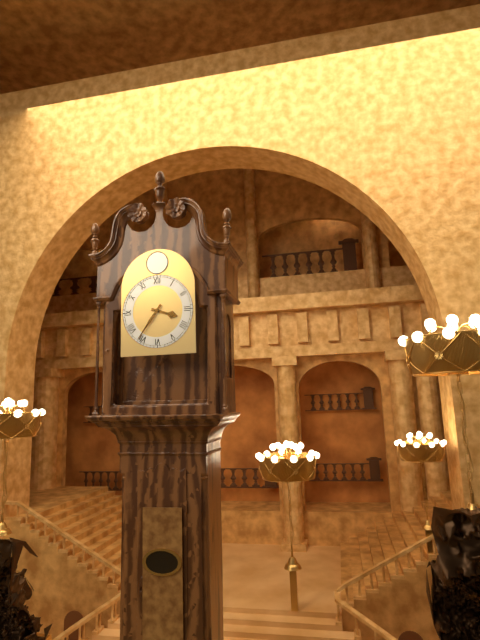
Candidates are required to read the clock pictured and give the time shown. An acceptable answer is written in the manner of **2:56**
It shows **3:36**
